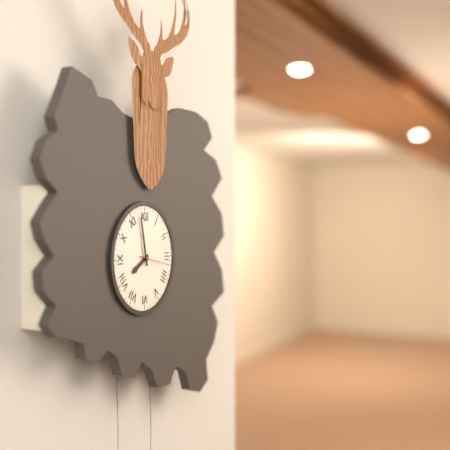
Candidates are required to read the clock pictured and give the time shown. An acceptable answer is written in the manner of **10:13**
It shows **7:58**
